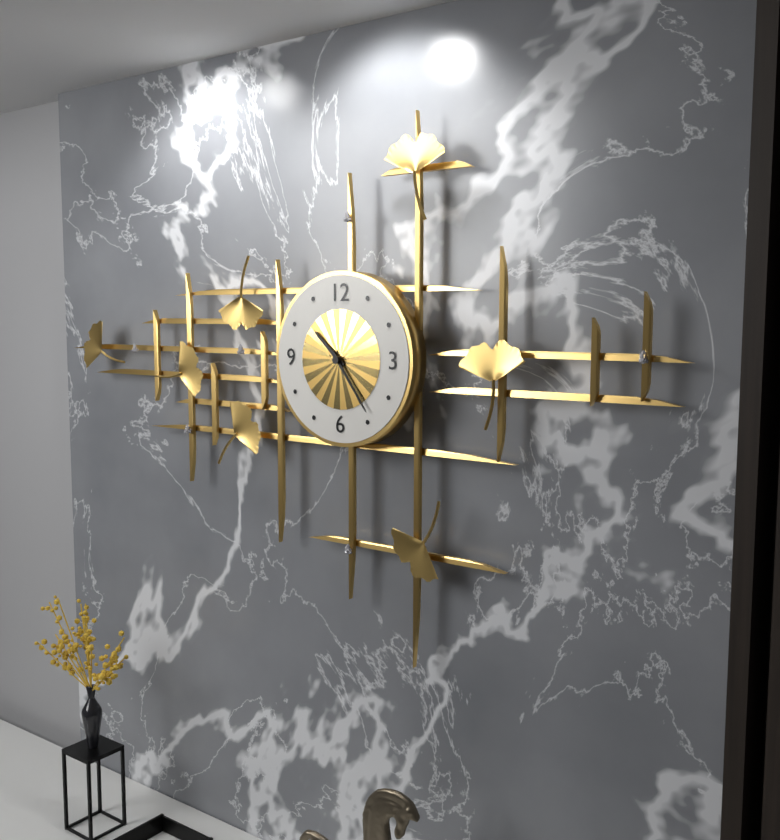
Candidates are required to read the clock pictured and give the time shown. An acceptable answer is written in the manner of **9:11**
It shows **10:24**
